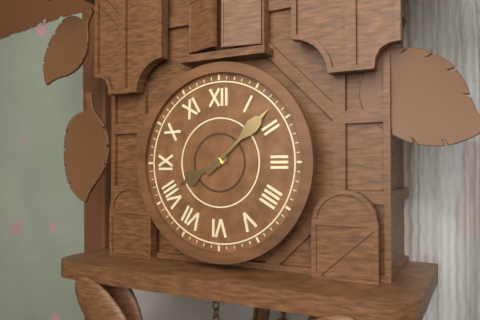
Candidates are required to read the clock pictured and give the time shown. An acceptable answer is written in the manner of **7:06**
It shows **8:08**
